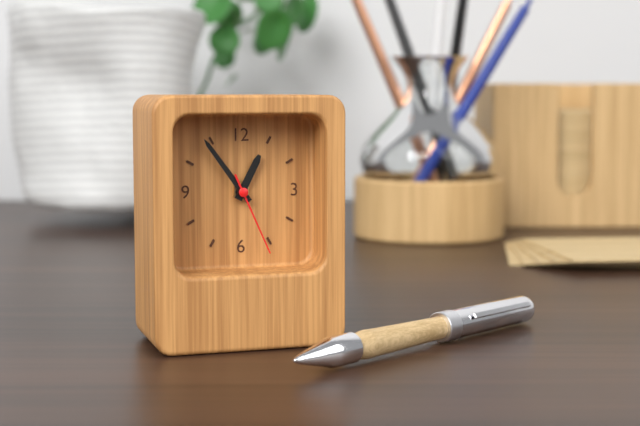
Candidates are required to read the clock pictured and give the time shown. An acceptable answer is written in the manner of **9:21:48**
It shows **12:54:26**
